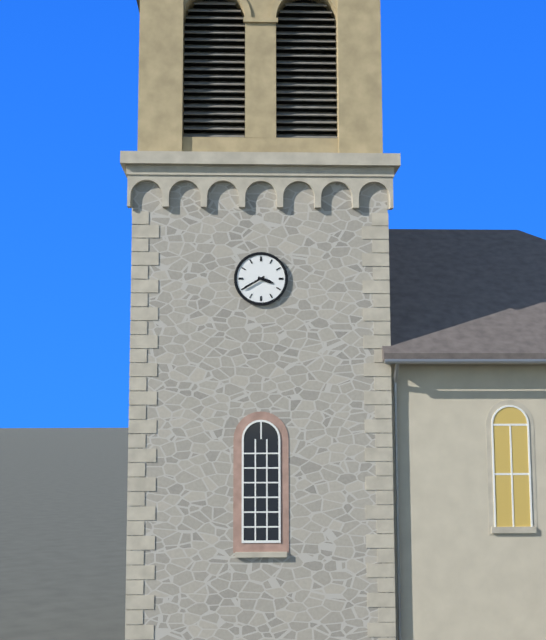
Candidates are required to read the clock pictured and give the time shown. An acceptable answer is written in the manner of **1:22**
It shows **3:40**
